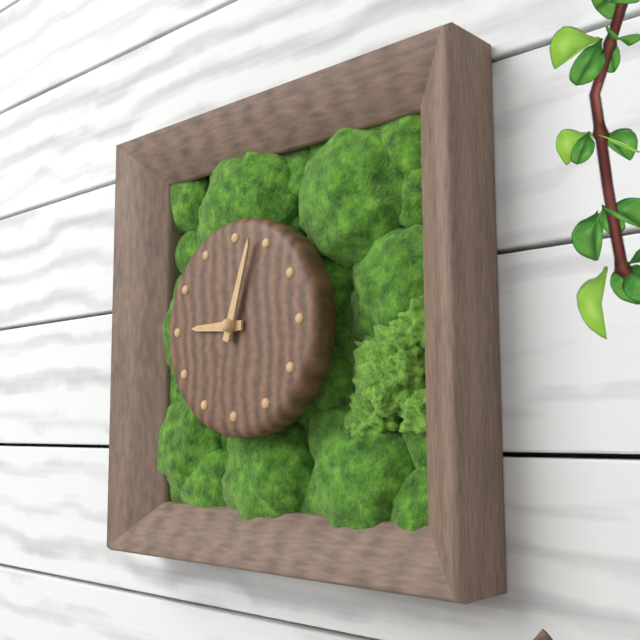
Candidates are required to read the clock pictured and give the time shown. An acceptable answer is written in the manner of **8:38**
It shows **9:03**
